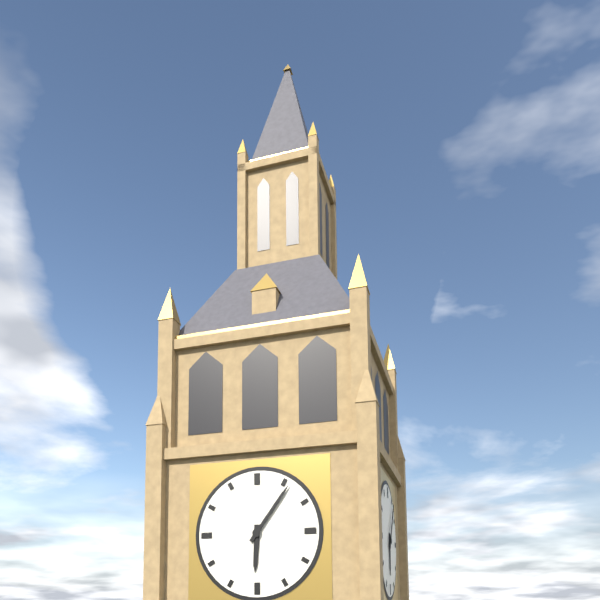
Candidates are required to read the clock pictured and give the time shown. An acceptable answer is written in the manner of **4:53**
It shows **6:06**
